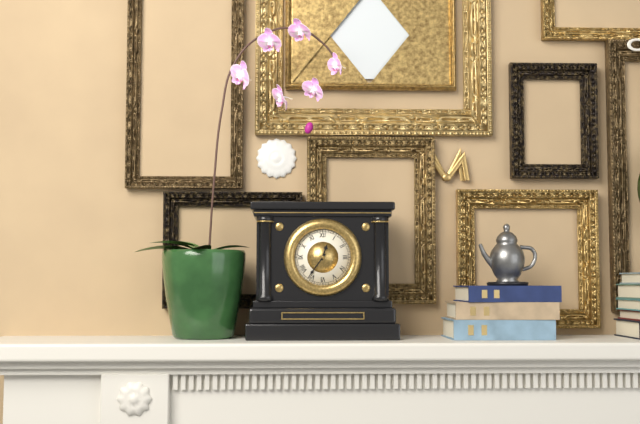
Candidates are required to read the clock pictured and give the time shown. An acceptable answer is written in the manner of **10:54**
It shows **12:36**
